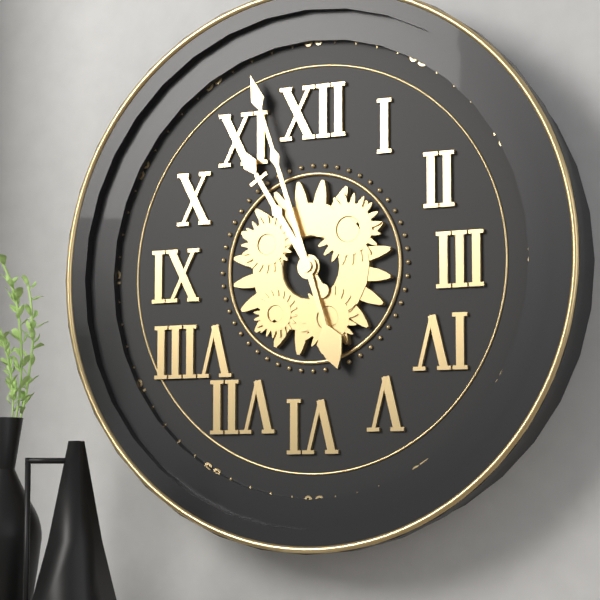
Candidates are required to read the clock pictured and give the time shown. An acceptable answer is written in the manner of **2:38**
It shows **10:57**
